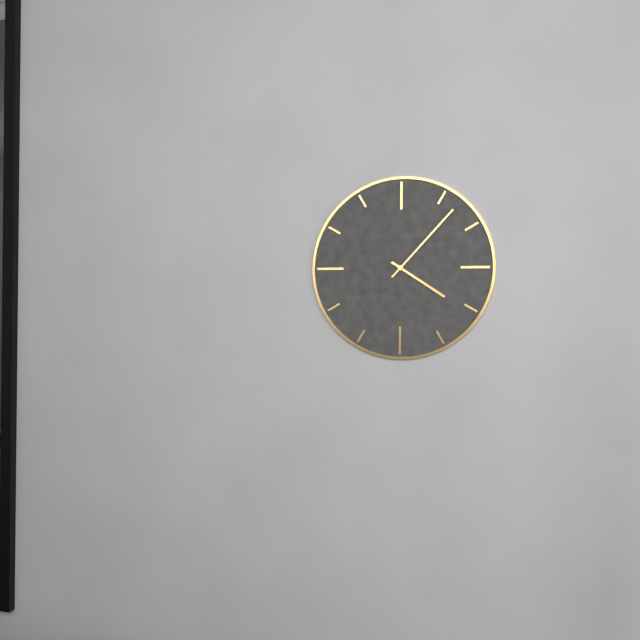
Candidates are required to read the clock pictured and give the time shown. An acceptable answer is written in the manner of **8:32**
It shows **4:07**
